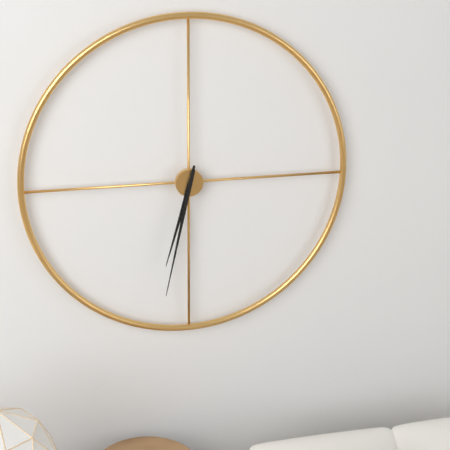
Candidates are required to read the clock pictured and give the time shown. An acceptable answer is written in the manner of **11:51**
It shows **6:32**
